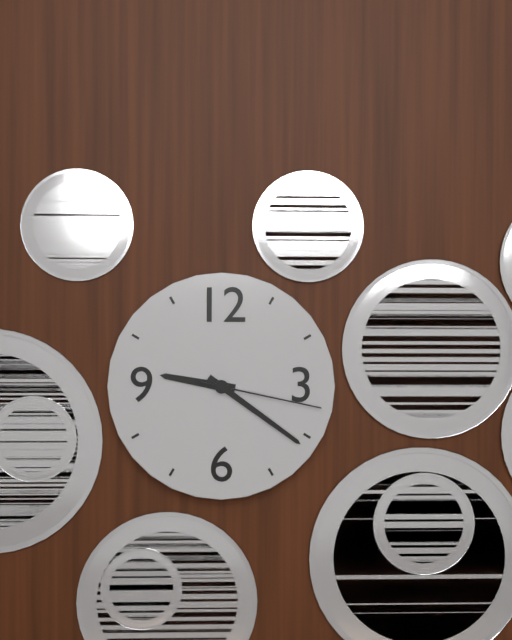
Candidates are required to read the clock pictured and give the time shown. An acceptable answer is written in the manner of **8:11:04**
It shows **9:21:17**
